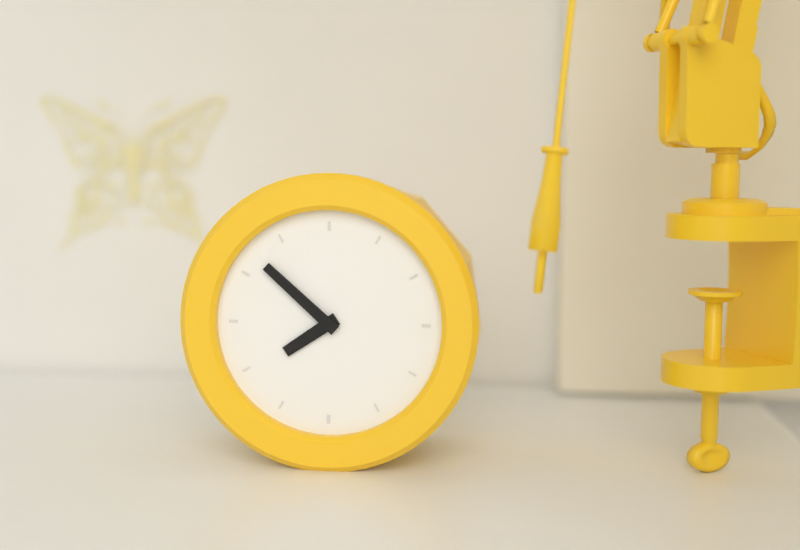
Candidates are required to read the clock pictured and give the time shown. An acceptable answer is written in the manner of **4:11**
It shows **7:52**
